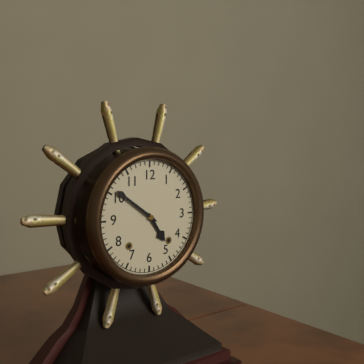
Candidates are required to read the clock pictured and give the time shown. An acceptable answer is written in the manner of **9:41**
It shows **4:51**
